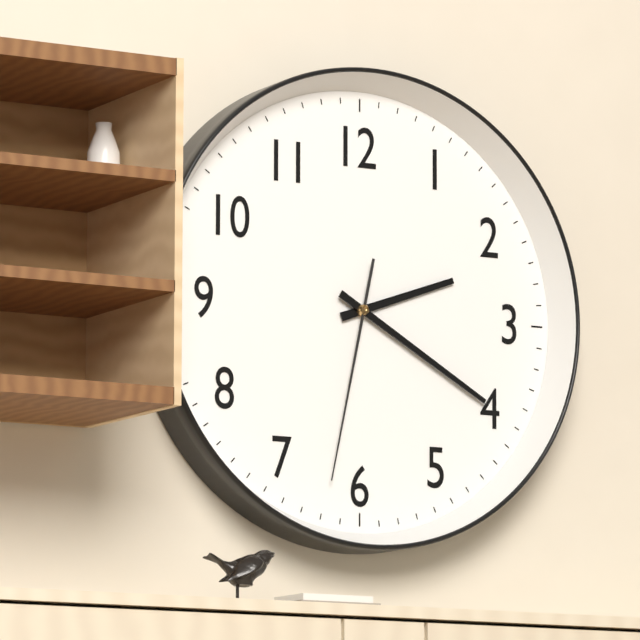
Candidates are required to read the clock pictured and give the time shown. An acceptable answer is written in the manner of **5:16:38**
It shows **2:20:32**
